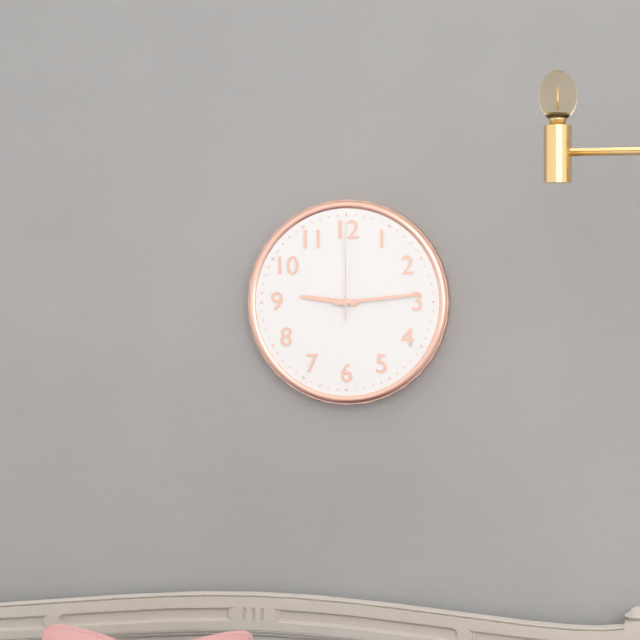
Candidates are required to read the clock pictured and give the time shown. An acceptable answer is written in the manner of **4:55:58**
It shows **9:14:00**
